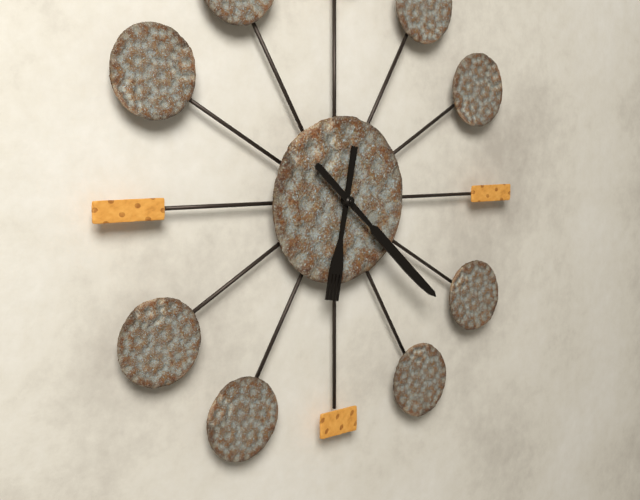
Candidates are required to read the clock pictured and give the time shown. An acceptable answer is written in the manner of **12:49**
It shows **6:22**
